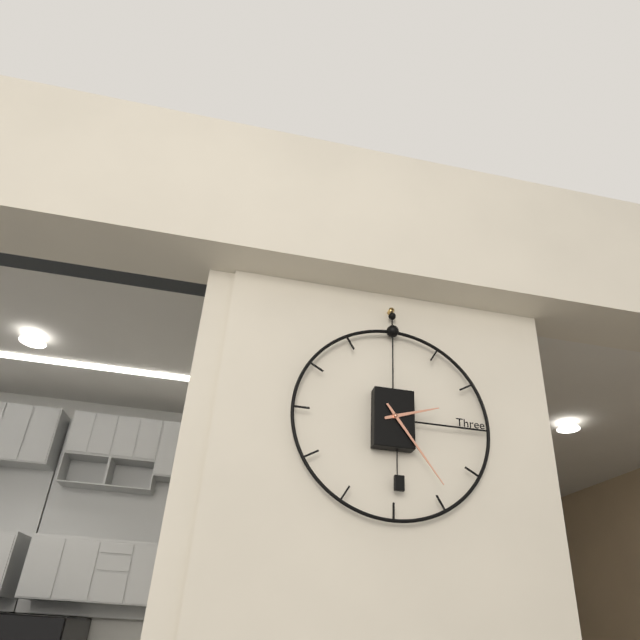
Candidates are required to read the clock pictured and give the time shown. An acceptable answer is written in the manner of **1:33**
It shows **2:24**
